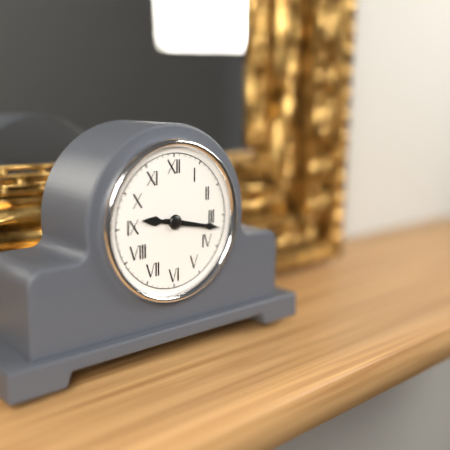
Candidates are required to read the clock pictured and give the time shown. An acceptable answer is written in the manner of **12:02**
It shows **9:17**
